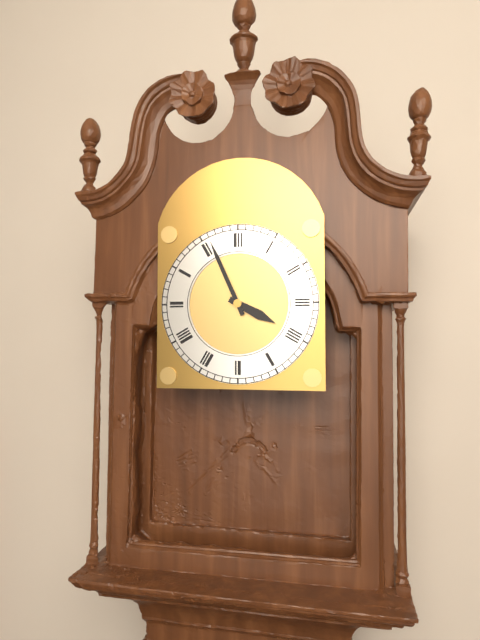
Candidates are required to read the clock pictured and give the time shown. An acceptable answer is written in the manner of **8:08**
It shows **3:56**
